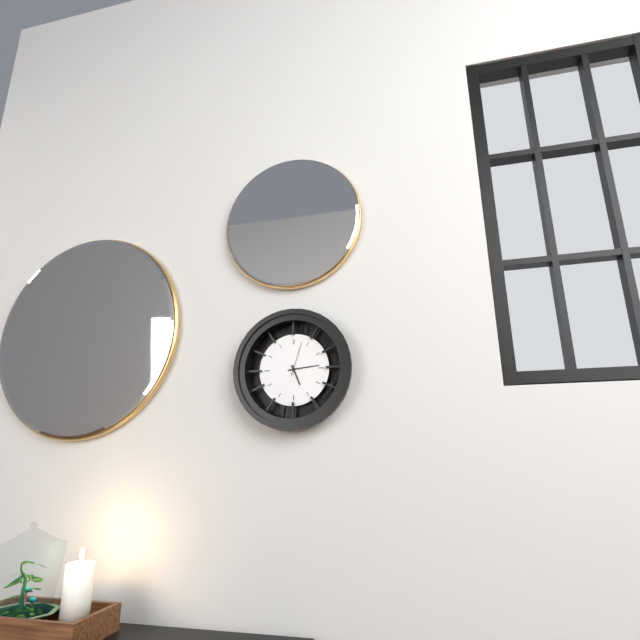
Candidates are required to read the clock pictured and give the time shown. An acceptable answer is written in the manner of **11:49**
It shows **5:14**
